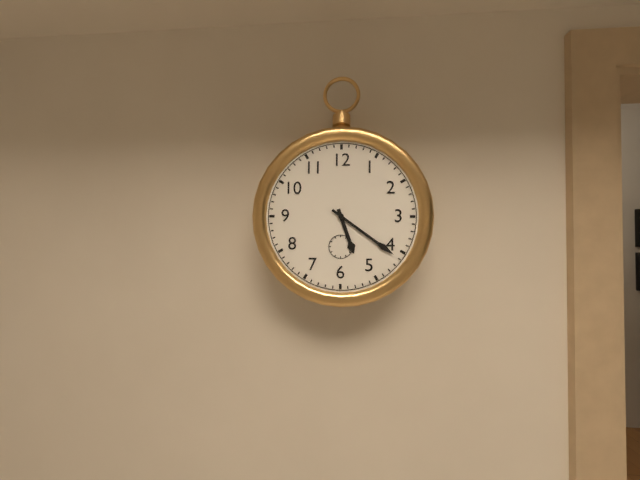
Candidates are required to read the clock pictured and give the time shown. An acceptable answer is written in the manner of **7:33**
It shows **5:21**
